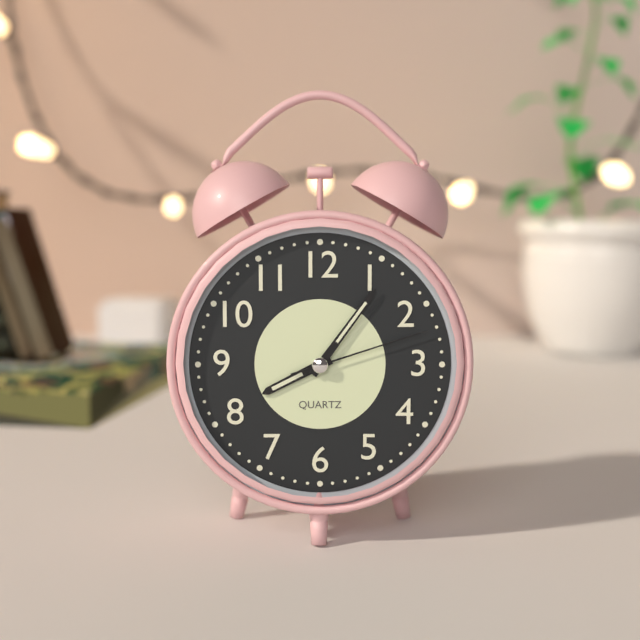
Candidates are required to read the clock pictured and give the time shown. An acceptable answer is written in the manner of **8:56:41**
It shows **8:06:12**
